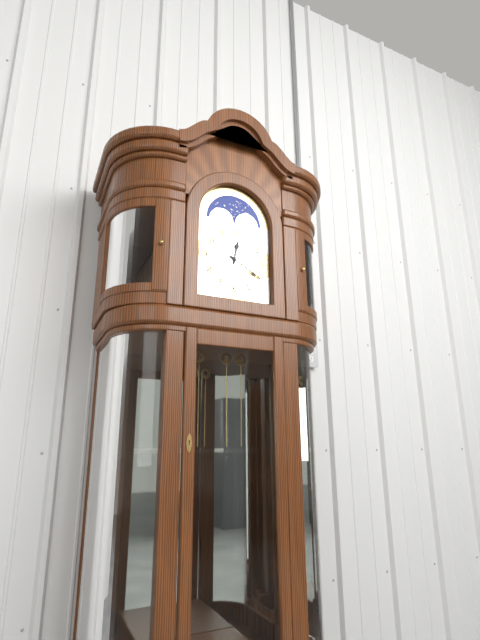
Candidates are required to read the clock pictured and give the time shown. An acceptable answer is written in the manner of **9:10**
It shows **12:20**
